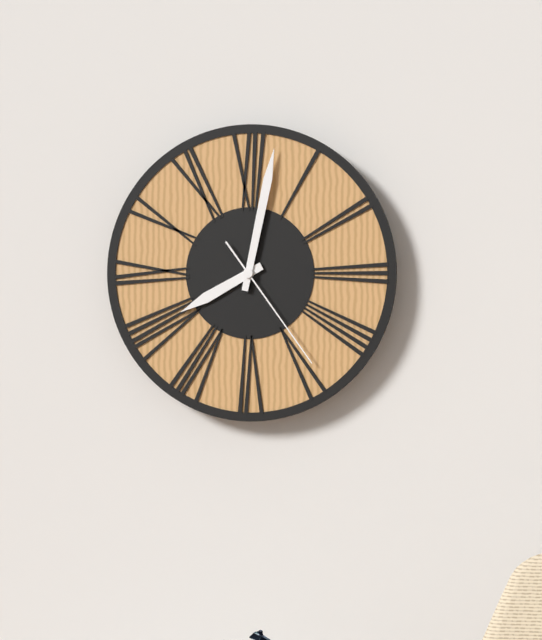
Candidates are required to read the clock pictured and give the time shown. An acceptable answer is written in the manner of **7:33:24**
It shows **8:02:24**
